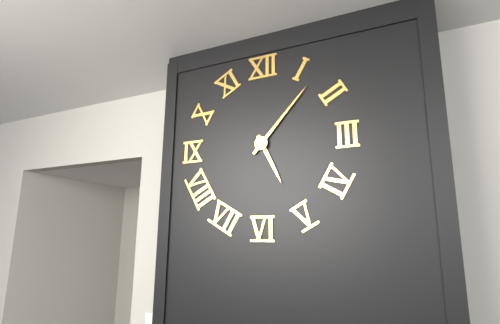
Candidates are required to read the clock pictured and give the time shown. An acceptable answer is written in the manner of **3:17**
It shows **5:07**
